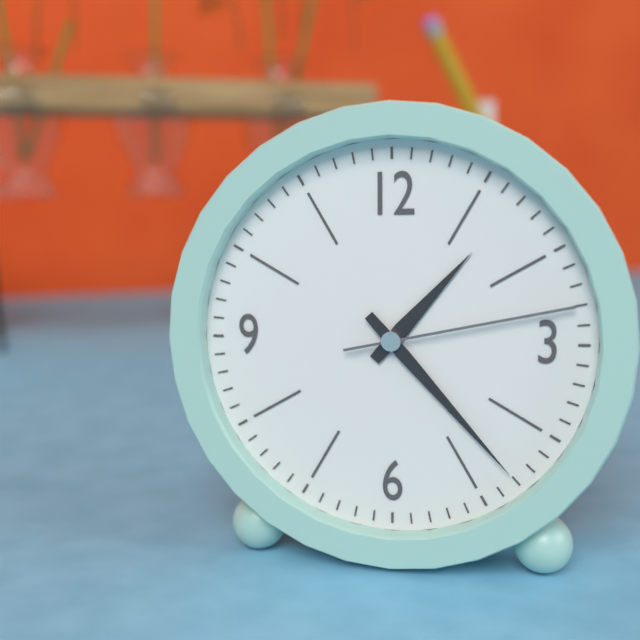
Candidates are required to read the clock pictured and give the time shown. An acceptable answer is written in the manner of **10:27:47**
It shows **1:23:13**
